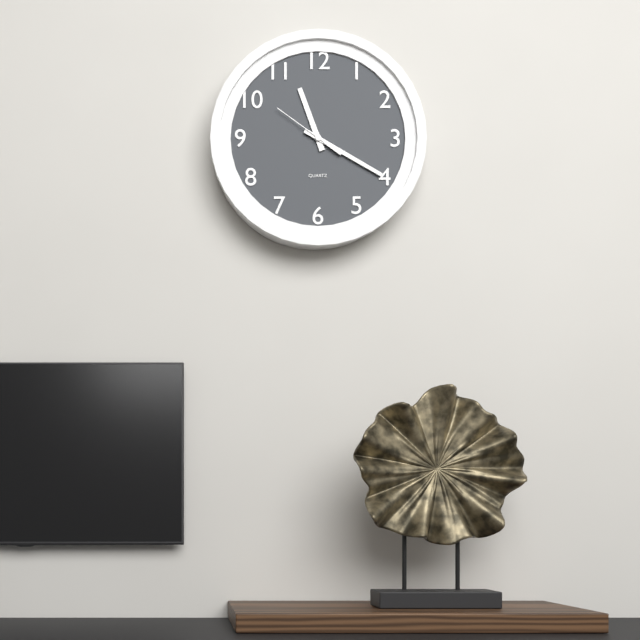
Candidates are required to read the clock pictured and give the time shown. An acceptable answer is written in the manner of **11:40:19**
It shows **11:20:51**
